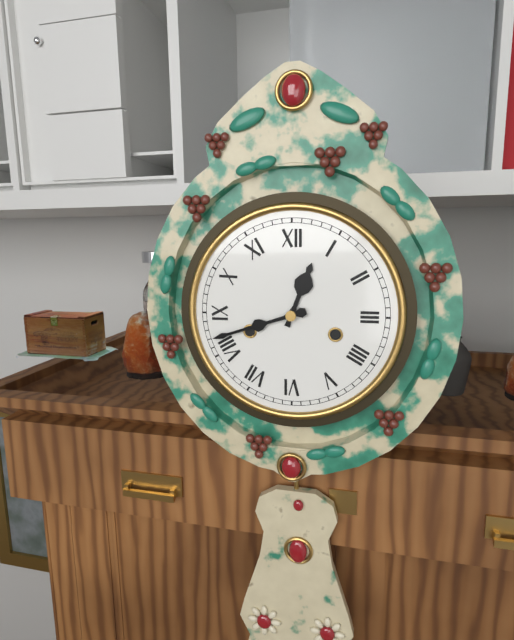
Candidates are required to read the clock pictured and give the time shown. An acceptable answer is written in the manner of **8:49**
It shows **12:42**
